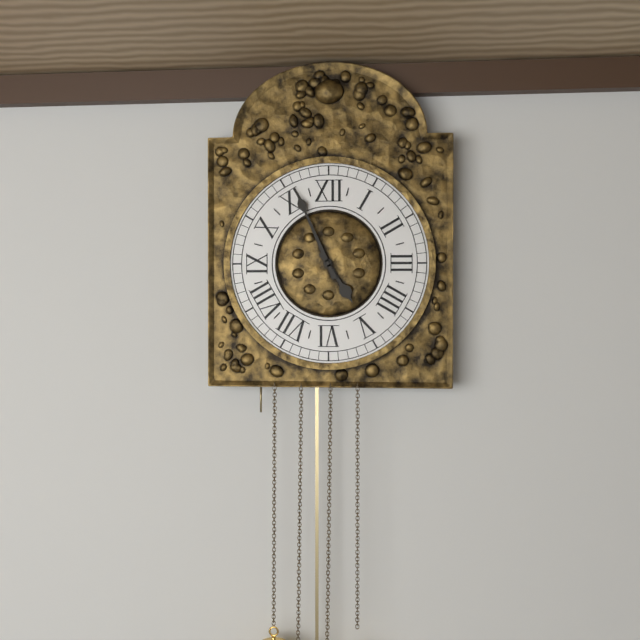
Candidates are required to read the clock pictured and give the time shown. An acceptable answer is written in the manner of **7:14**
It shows **4:56**
